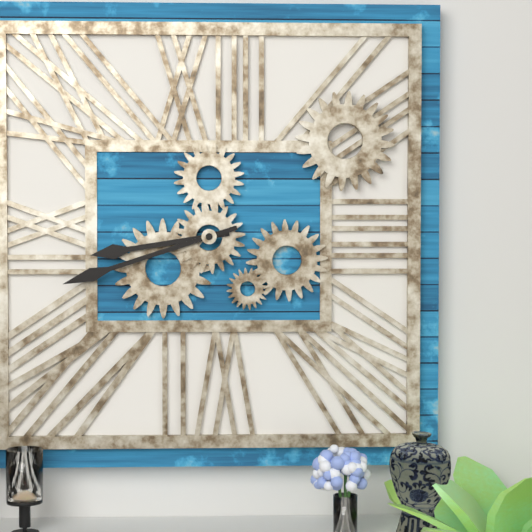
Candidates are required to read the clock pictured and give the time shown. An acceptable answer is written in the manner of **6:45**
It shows **8:42**
